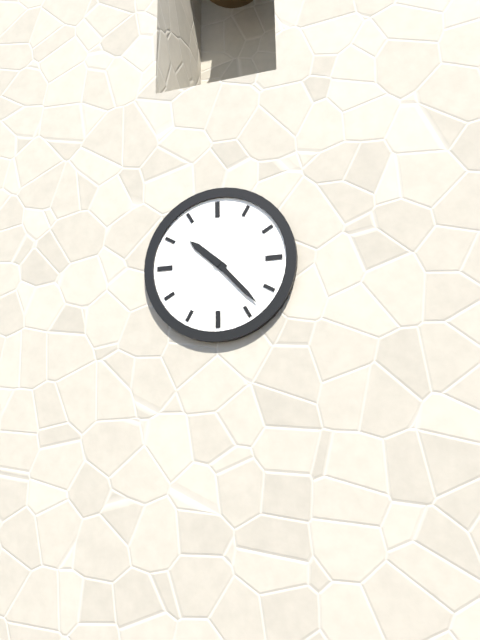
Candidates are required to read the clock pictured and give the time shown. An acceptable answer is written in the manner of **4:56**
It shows **10:23**
